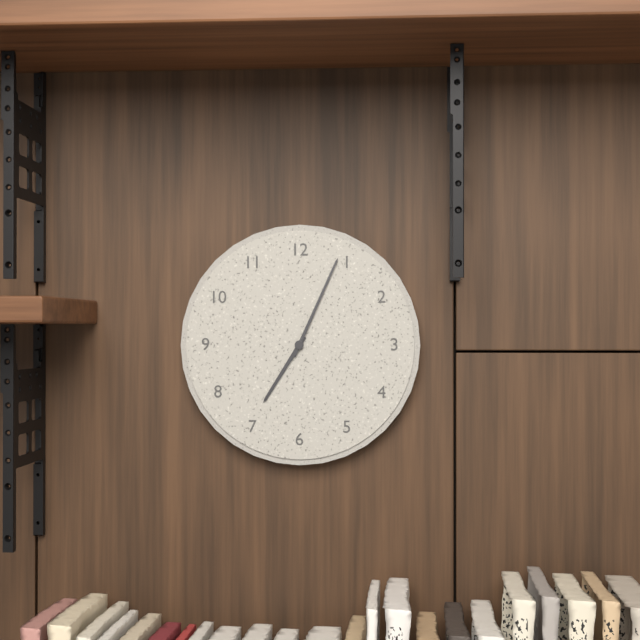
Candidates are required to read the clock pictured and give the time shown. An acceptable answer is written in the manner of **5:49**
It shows **7:04**
